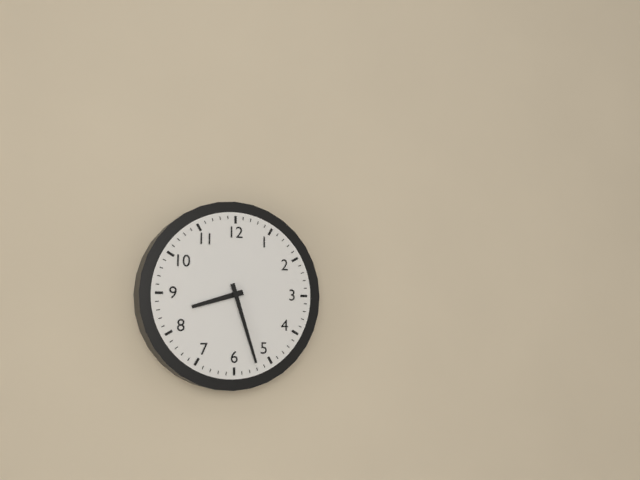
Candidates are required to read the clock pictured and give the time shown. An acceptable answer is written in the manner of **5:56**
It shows **8:27**
